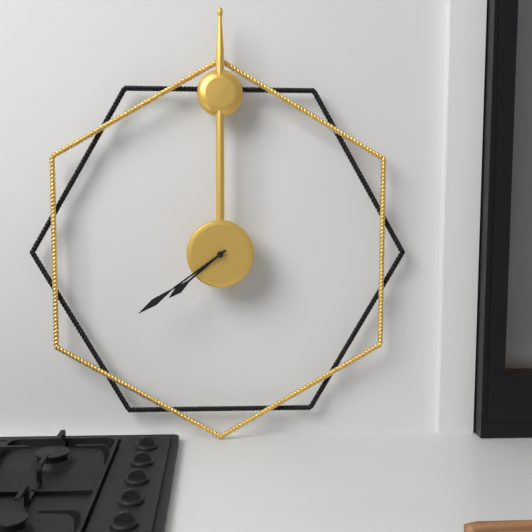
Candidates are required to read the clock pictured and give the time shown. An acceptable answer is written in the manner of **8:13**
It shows **7:39**
